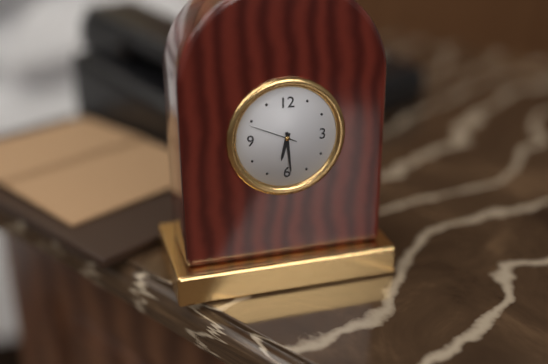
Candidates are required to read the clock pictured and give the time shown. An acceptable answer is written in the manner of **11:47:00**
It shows **6:29:49**
